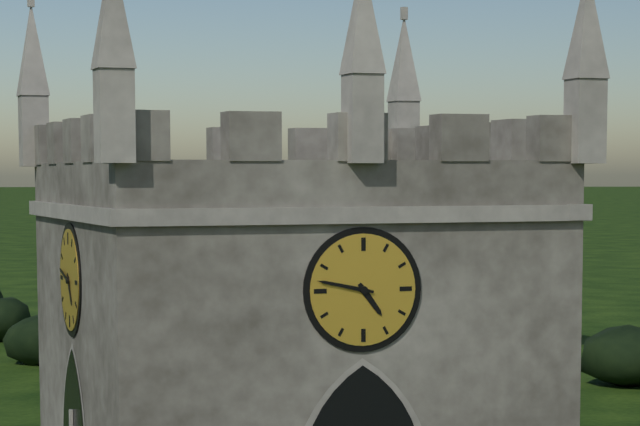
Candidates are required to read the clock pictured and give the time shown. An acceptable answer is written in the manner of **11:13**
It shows **4:47**
